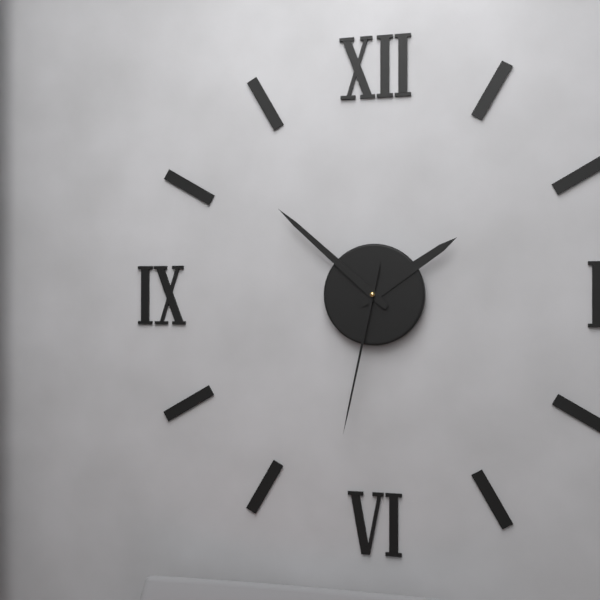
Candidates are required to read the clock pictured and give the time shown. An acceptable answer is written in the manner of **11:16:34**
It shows **1:52:32**
